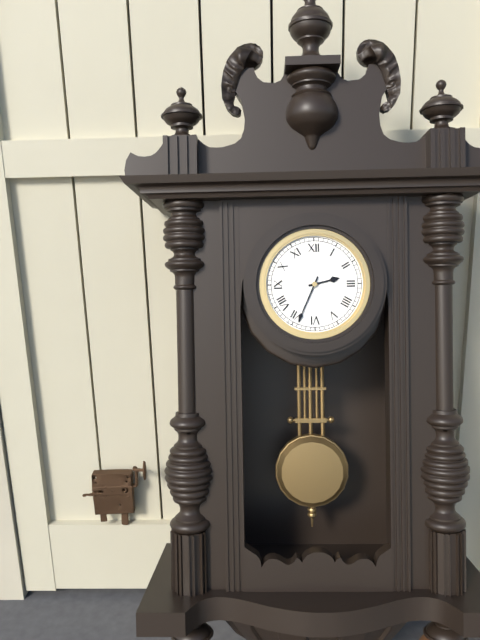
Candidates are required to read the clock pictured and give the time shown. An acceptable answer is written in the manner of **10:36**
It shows **2:34**
